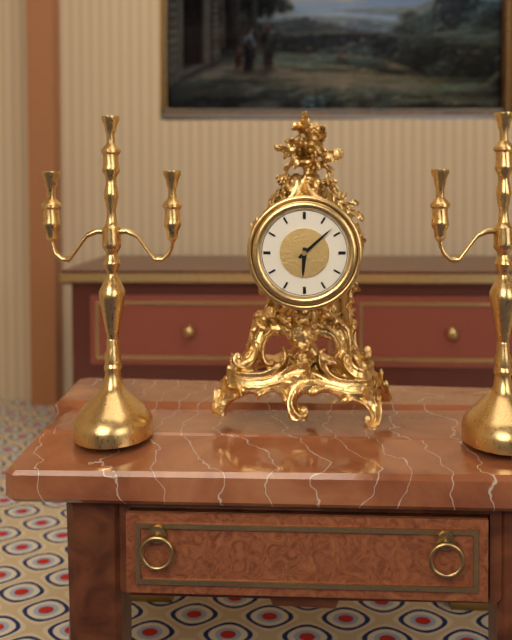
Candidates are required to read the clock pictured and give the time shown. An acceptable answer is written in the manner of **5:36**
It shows **6:08**
